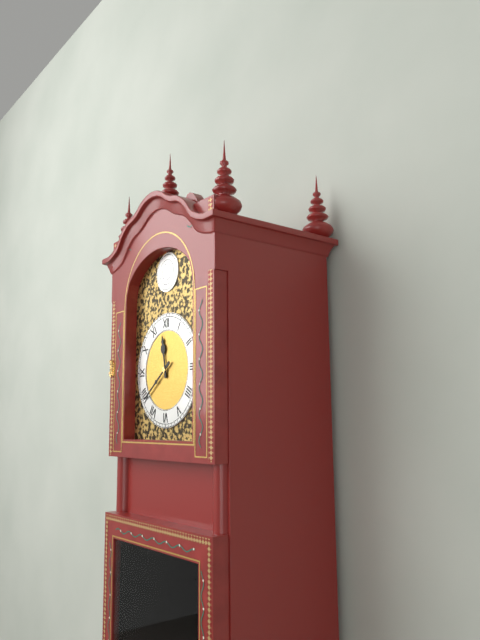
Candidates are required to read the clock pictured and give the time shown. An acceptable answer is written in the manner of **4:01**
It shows **11:39**
